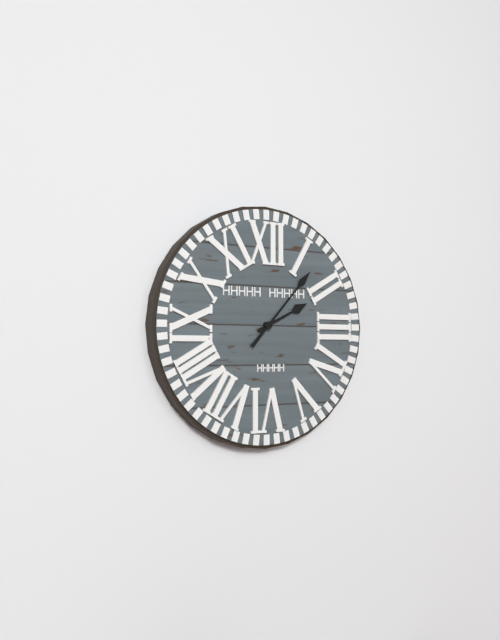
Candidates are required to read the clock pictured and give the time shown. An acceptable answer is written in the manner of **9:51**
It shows **2:07**
